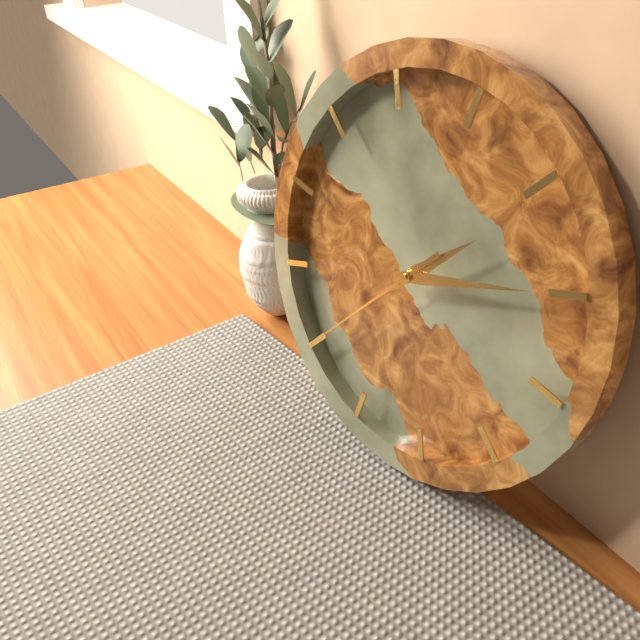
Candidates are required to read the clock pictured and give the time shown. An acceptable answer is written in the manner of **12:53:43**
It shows **1:10:35**
